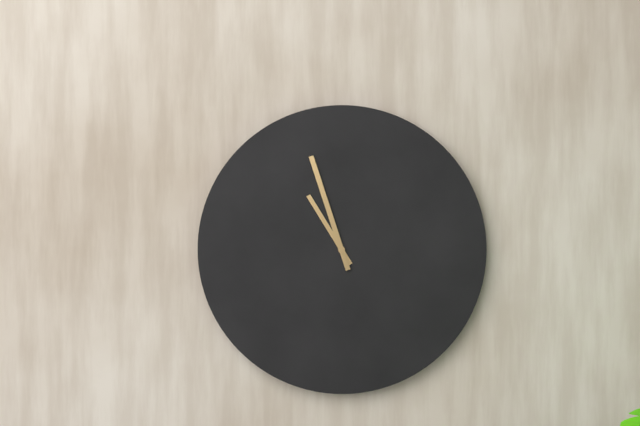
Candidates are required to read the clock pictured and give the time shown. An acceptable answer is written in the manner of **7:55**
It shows **10:57**
